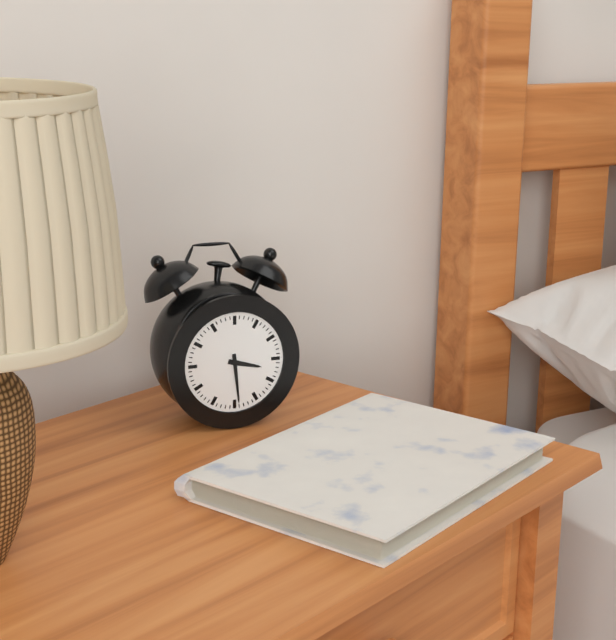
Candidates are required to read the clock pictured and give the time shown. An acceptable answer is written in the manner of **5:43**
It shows **3:29**
